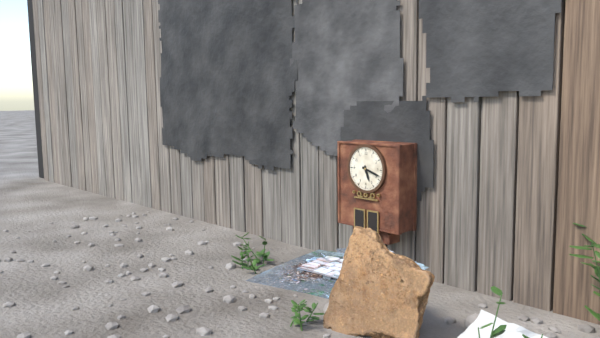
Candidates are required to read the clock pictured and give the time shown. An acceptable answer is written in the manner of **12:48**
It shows **5:18**
